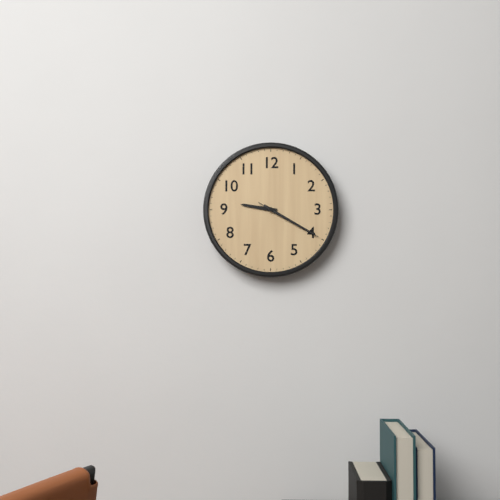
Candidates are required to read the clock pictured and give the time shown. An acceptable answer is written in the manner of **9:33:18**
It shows **9:20:20**
